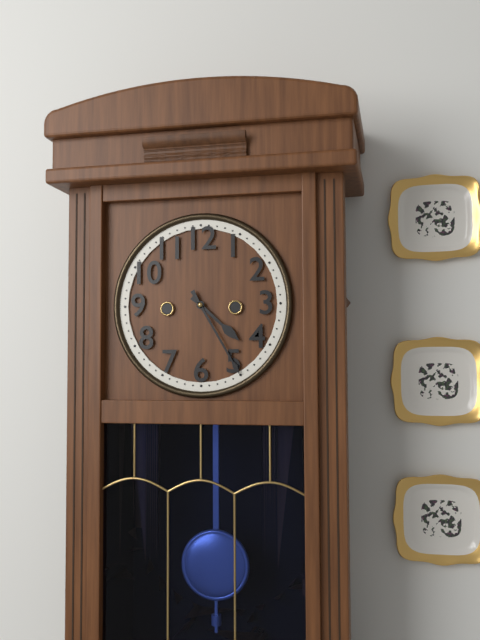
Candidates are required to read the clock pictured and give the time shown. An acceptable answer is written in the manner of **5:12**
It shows **4:25**
